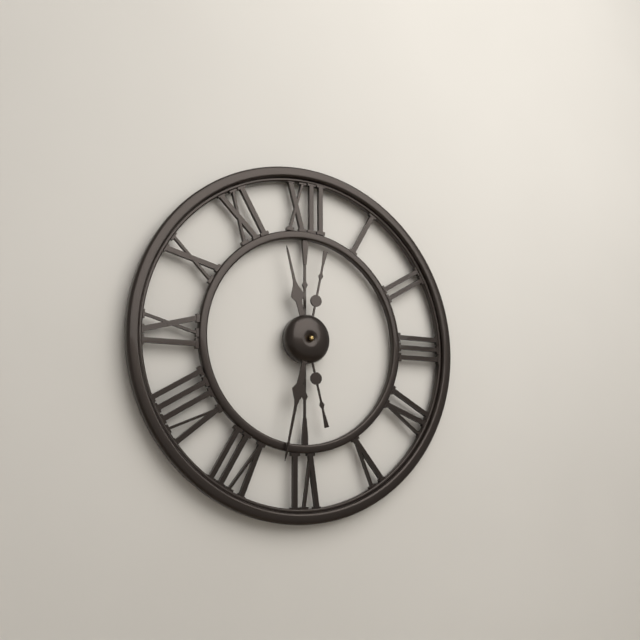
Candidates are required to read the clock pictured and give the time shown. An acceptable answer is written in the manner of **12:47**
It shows **11:32**
